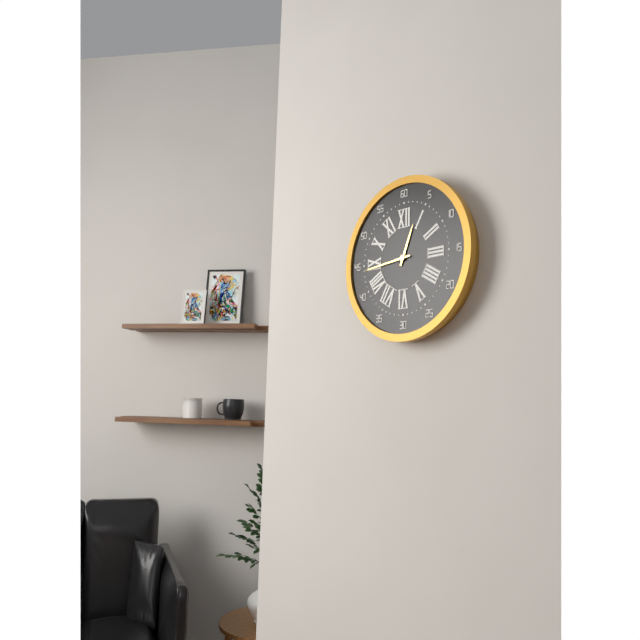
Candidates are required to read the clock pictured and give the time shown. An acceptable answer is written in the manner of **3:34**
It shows **12:44**
